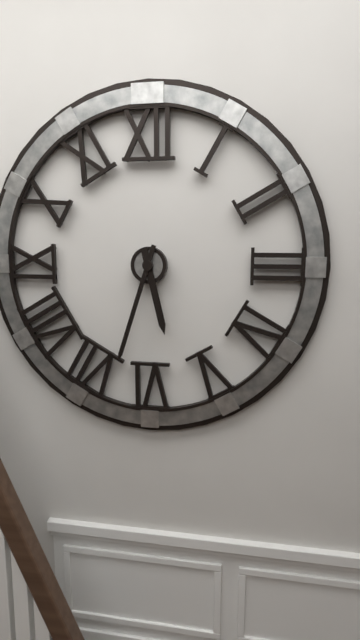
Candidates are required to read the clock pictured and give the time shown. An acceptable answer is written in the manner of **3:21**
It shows **5:33**
